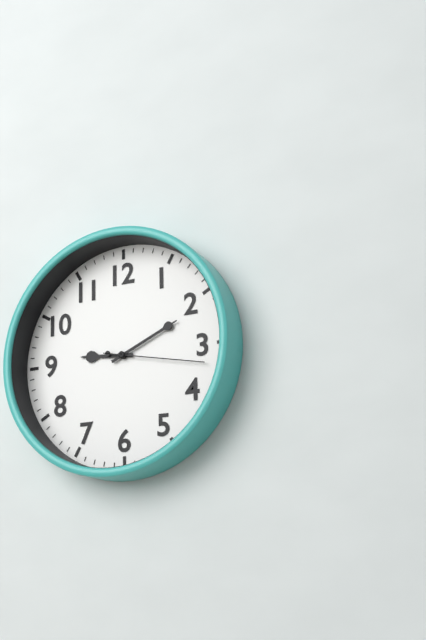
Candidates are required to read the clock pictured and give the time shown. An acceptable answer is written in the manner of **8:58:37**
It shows **9:11:17**
